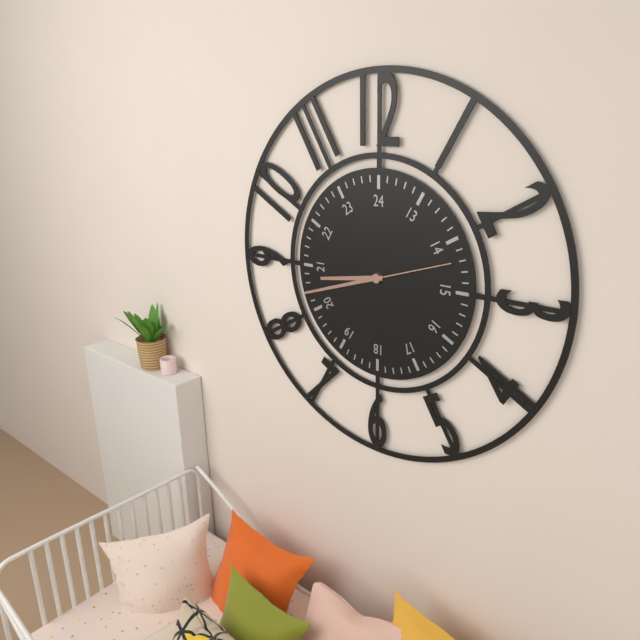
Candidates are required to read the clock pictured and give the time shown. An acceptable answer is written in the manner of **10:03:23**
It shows **8:42:12**
